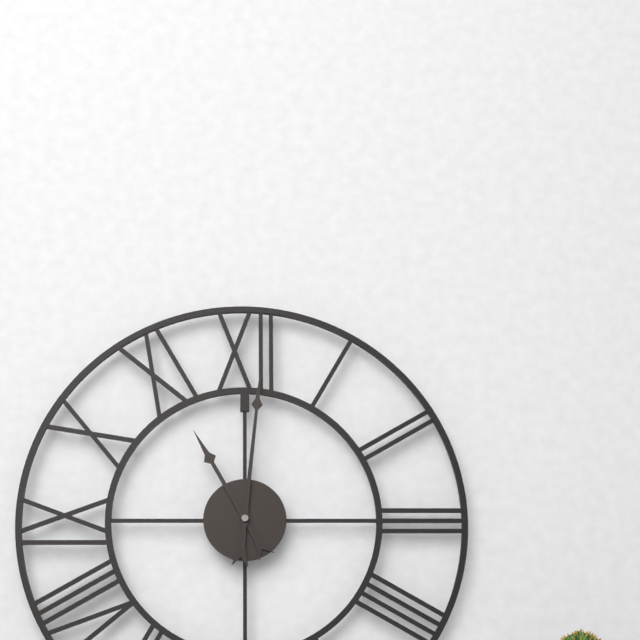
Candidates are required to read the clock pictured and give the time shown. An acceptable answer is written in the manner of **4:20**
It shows **11:01**
